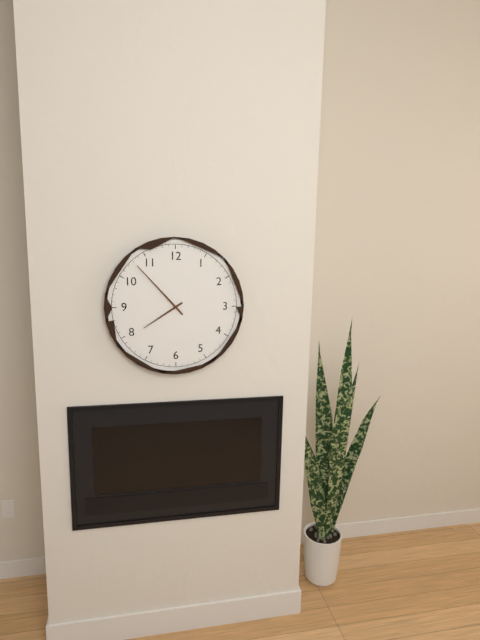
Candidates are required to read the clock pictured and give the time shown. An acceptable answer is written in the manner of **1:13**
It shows **7:53**
